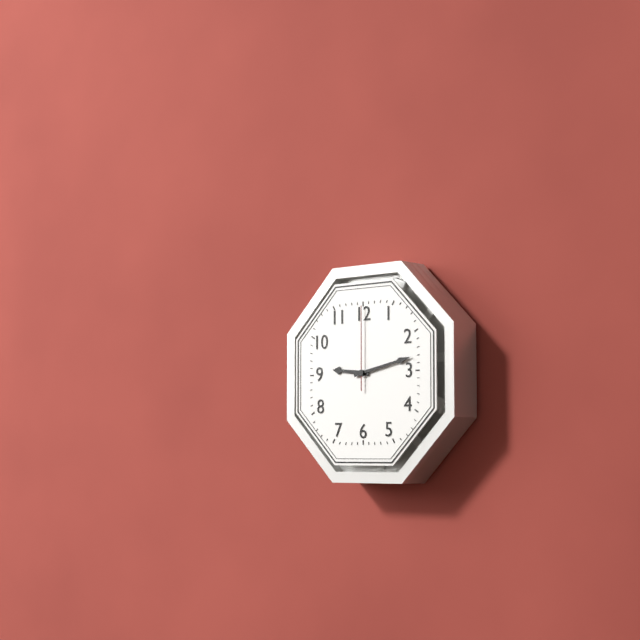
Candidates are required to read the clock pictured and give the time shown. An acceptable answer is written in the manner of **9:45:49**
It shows **9:13:00**
